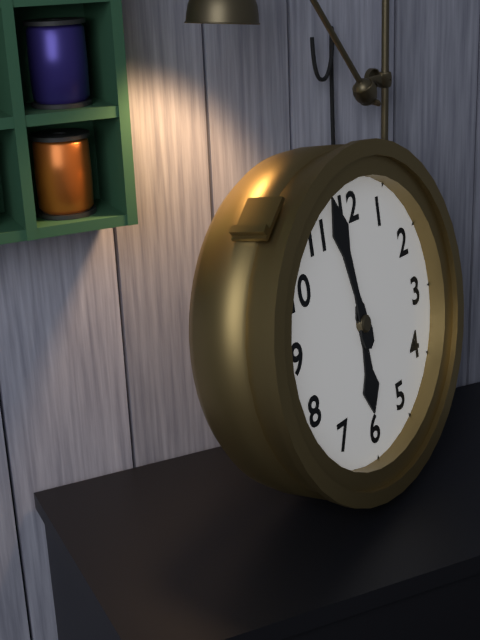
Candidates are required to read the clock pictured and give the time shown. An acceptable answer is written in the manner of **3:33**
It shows **5:58**
